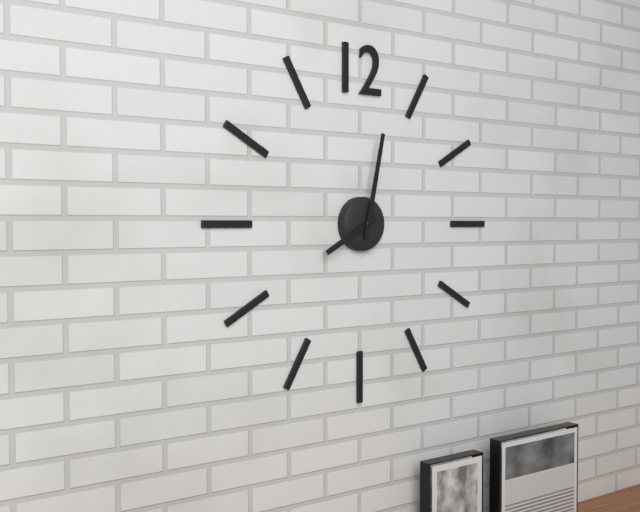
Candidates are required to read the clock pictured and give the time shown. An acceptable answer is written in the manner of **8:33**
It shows **8:02**
